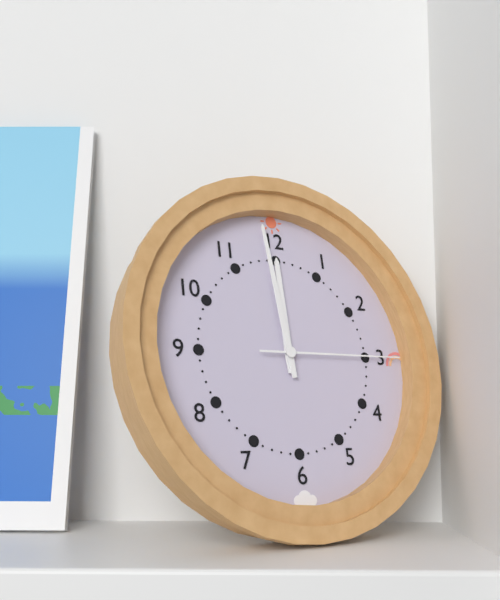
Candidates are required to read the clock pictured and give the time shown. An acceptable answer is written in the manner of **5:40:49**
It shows **11:59:15**
